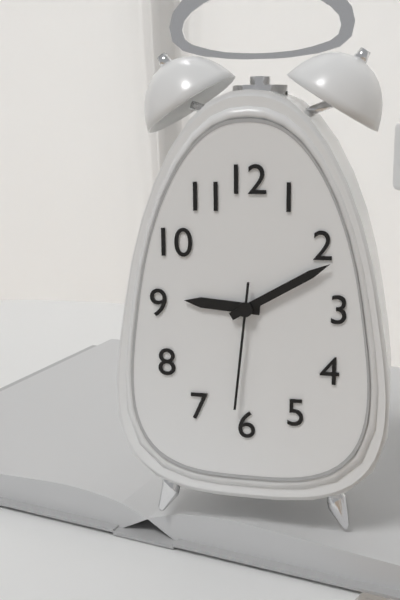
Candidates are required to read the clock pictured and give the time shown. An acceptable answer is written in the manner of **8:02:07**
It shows **9:10:31**
